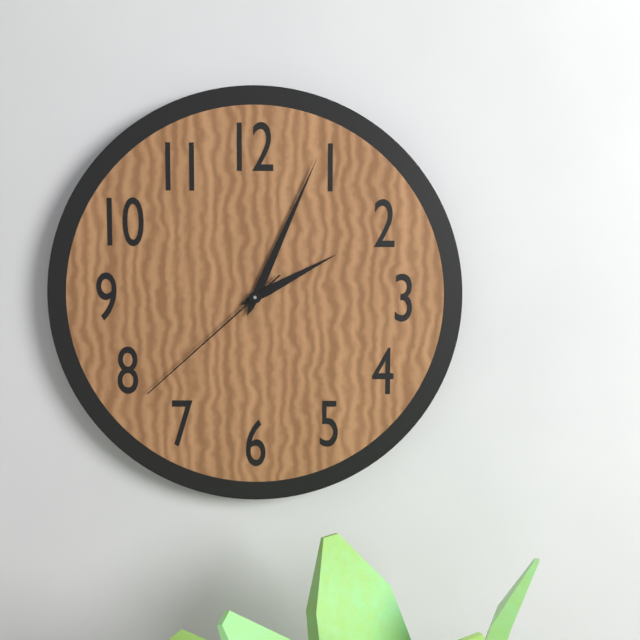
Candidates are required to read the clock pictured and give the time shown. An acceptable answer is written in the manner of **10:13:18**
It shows **2:04:38**
